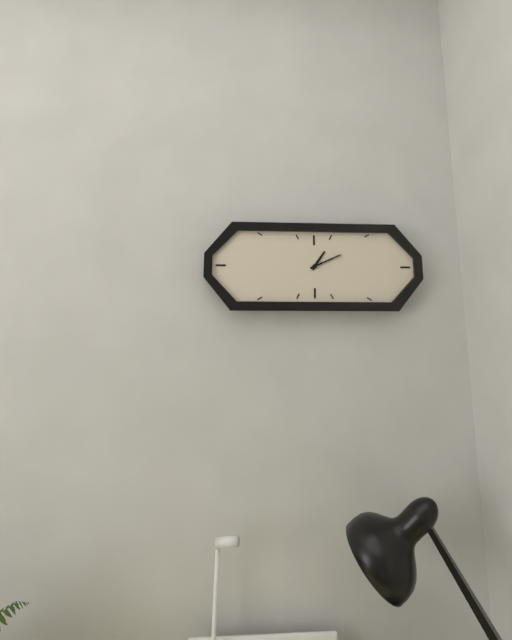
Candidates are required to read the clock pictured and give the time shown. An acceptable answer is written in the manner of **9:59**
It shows **1:11**
